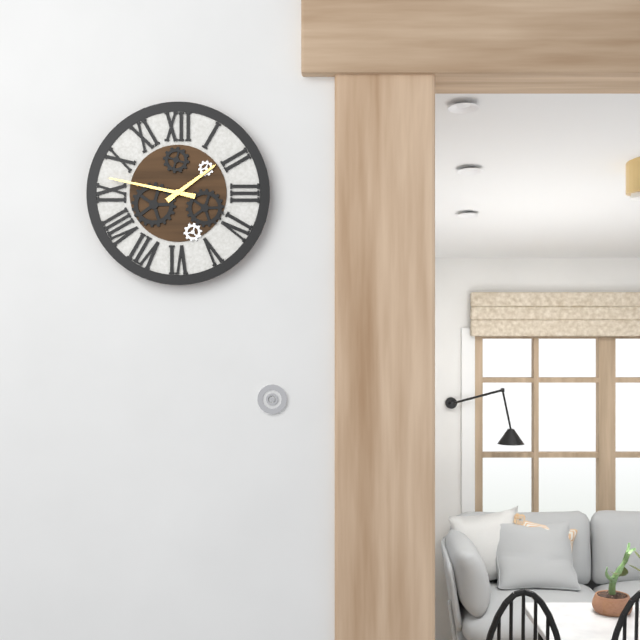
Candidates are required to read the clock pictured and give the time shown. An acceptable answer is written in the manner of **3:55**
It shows **1:47**
